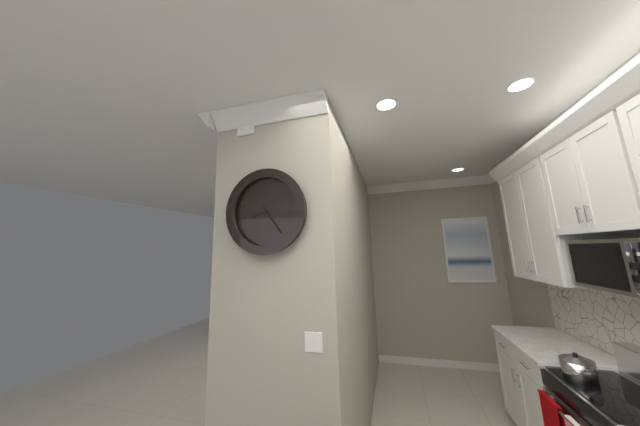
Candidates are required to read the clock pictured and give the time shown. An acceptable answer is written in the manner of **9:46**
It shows **8:24**
